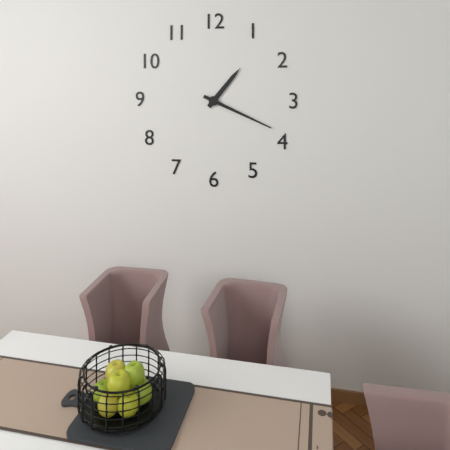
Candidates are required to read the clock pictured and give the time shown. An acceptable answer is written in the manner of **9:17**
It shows **1:19**
